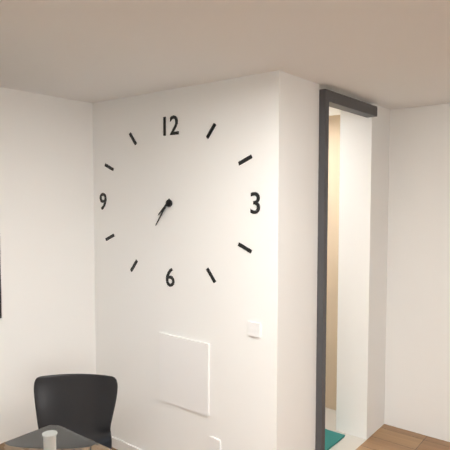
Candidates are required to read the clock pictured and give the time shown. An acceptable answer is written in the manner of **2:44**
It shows **7:36**
